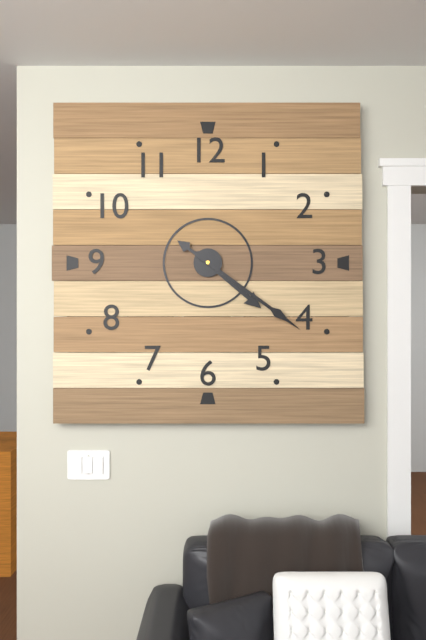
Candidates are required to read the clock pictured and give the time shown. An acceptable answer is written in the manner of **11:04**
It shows **4:21**
